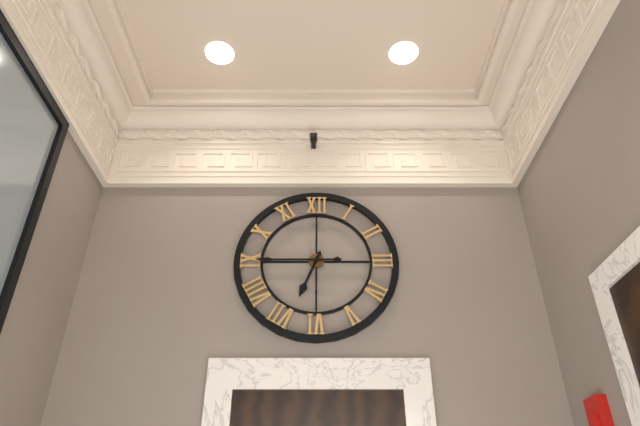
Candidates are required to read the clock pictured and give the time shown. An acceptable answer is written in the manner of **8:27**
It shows **6:45**
